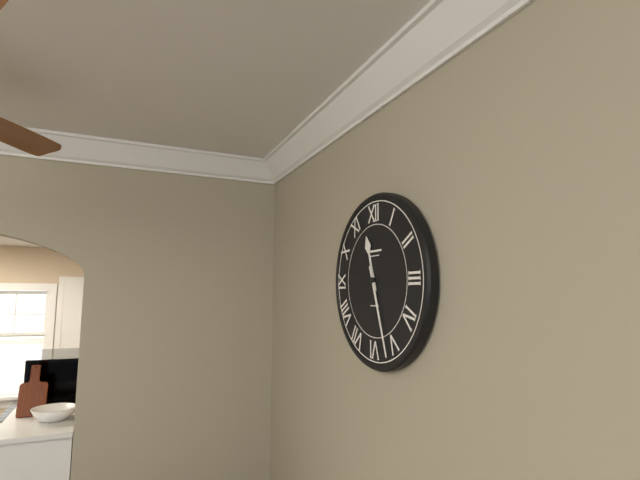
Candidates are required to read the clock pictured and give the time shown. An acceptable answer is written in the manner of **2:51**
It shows **11:27**
